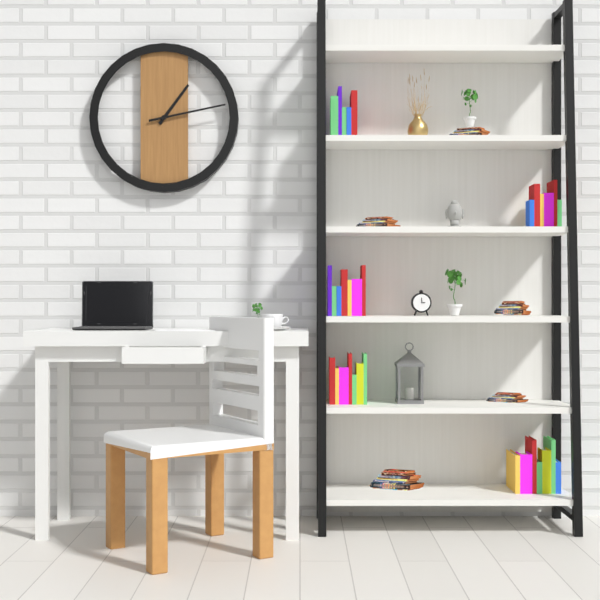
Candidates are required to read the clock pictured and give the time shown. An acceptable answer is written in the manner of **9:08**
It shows **1:13**
